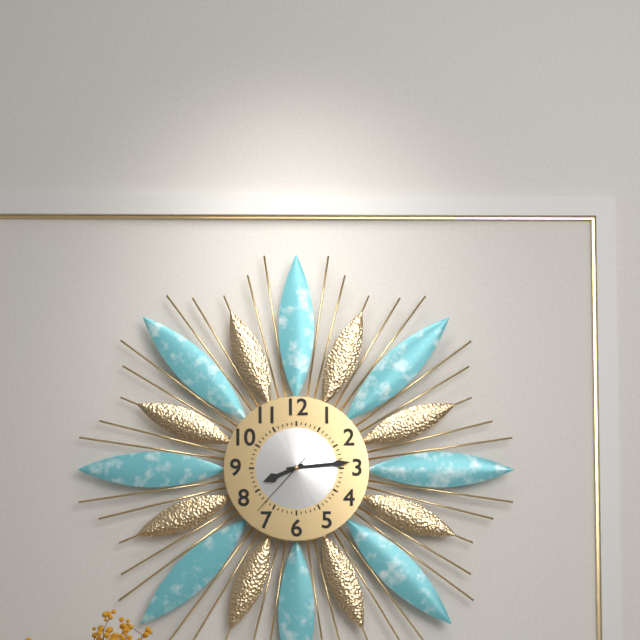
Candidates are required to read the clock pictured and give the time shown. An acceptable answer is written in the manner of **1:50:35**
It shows **8:14:37**
